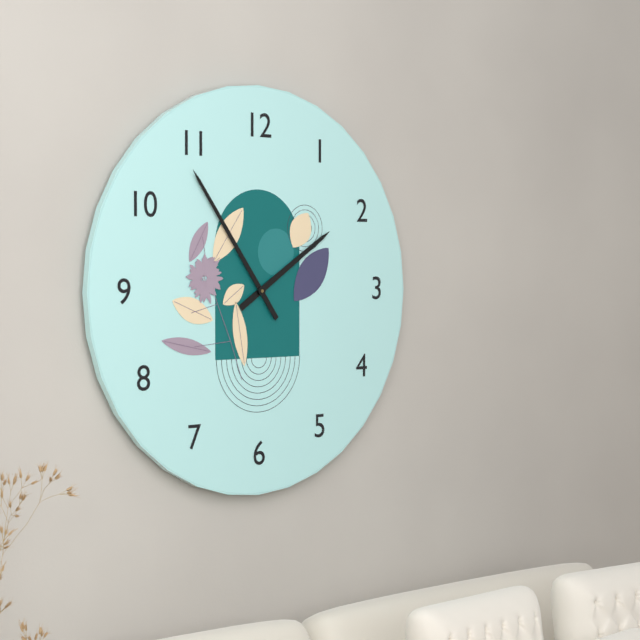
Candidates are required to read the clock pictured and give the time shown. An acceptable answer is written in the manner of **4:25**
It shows **1:54**
